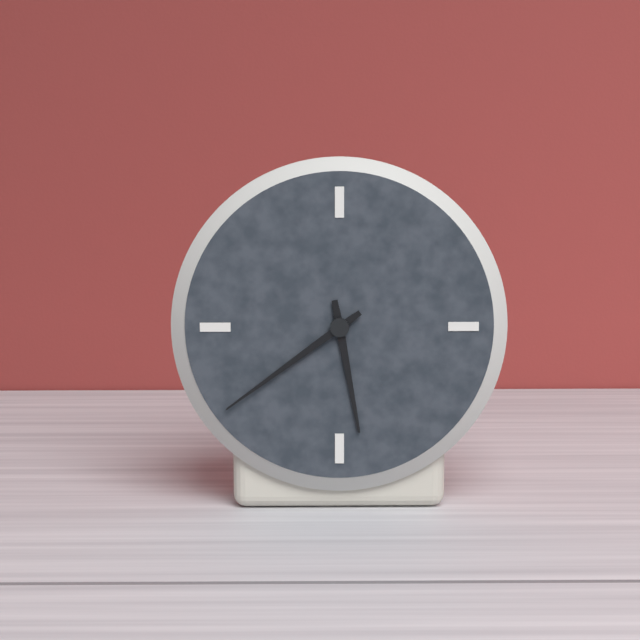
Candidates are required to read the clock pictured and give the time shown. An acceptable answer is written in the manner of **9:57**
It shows **5:39**
